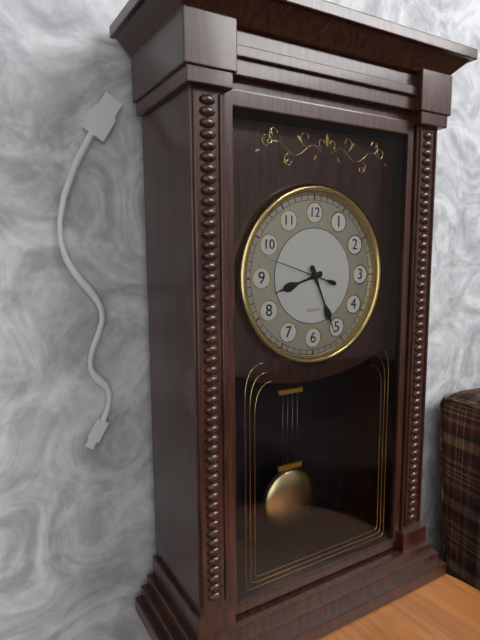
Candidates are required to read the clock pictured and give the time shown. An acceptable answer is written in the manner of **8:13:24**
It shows **8:26:48**
